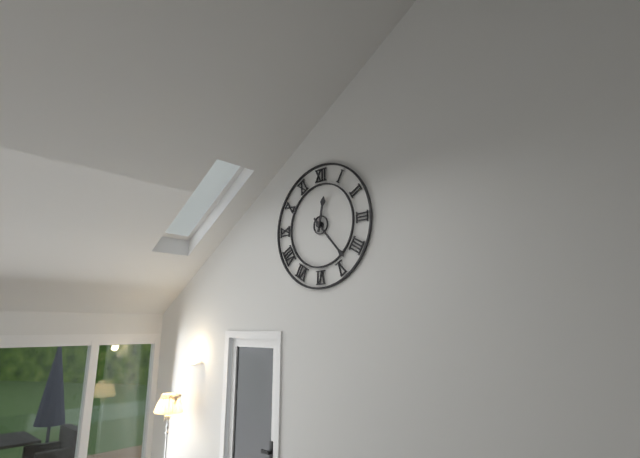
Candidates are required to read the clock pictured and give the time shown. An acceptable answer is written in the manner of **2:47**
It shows **12:23**
